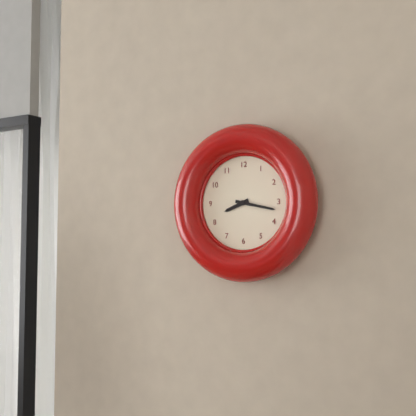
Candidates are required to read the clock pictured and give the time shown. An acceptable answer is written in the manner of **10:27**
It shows **8:17**
